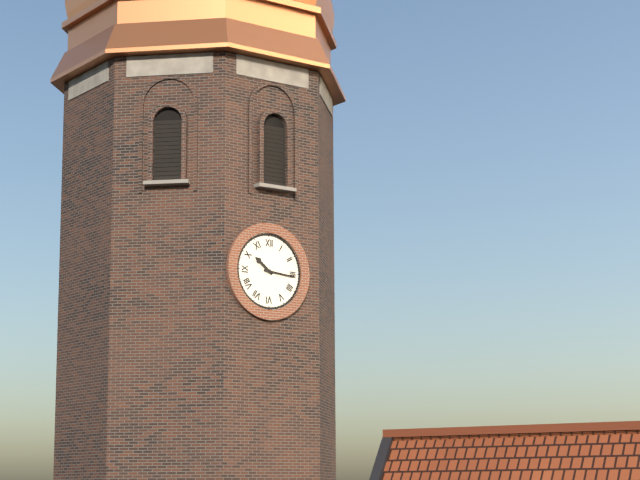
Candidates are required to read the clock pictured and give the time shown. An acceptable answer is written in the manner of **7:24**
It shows **10:16**
